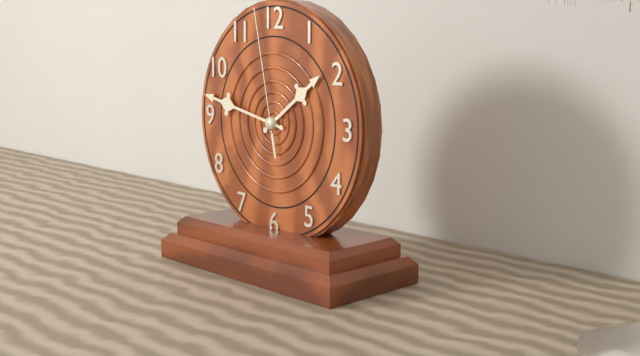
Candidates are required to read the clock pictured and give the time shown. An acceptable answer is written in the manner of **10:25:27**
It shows **1:47:58**
